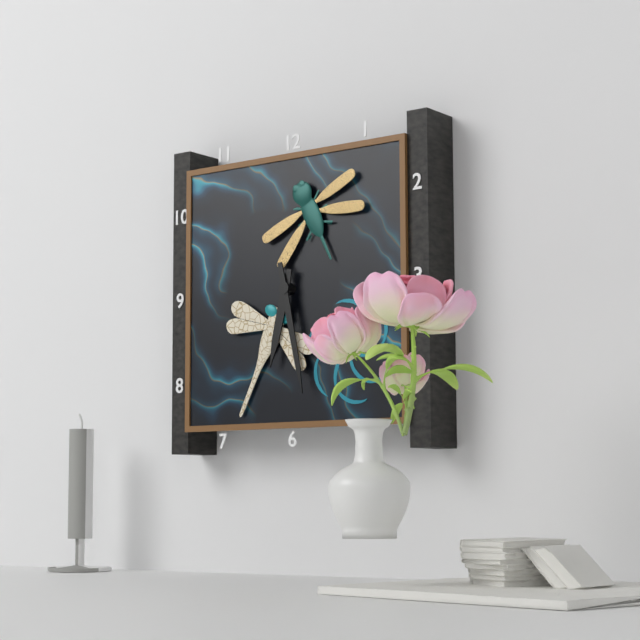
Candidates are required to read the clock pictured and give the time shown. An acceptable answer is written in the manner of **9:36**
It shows **6:28**
